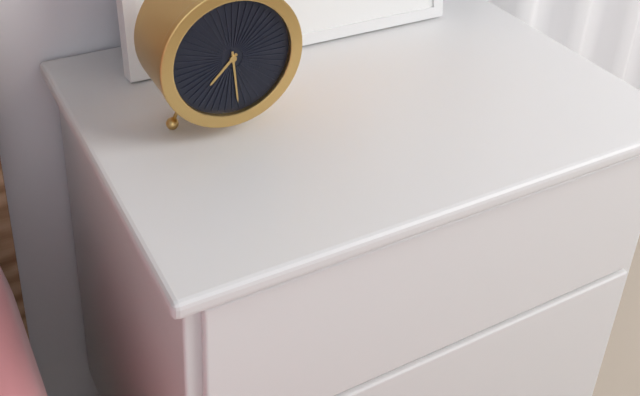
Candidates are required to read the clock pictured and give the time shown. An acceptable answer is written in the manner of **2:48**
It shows **7:29**
